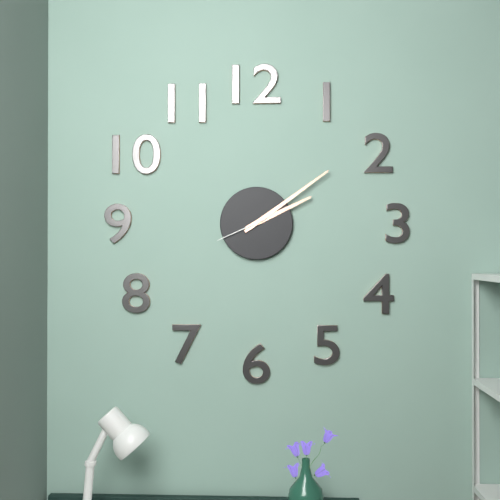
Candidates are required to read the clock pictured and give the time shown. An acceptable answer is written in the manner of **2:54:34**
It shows **2:09:41**
